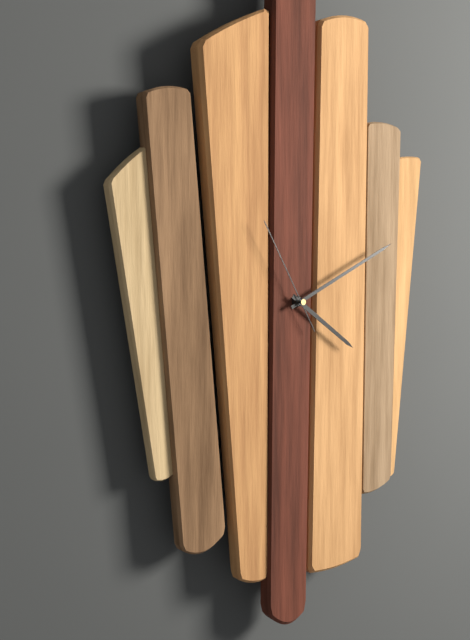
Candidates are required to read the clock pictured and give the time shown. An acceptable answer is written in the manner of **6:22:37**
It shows **4:11:55**
